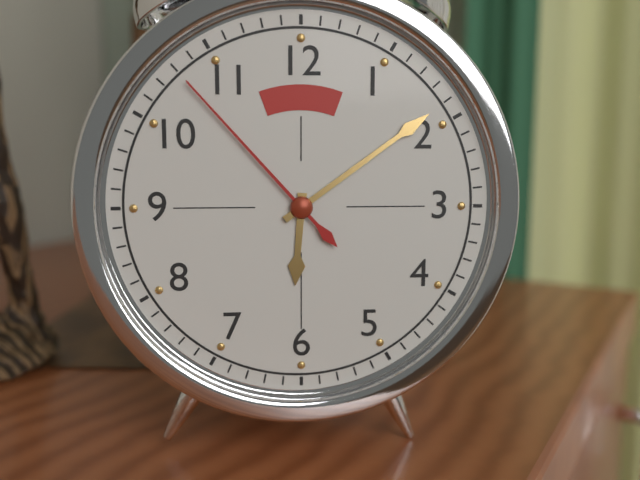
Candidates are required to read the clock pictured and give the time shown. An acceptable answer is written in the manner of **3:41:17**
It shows **6:09:53**
